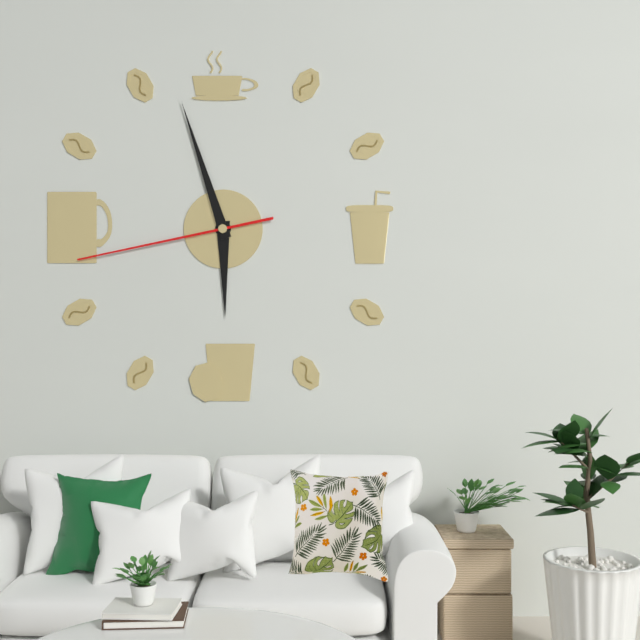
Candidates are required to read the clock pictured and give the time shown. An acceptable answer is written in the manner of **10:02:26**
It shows **5:57:43**
